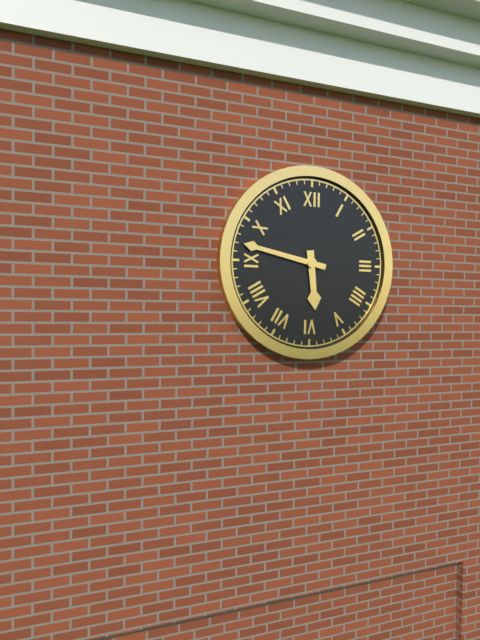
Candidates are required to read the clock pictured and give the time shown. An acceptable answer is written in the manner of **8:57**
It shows **5:47**
